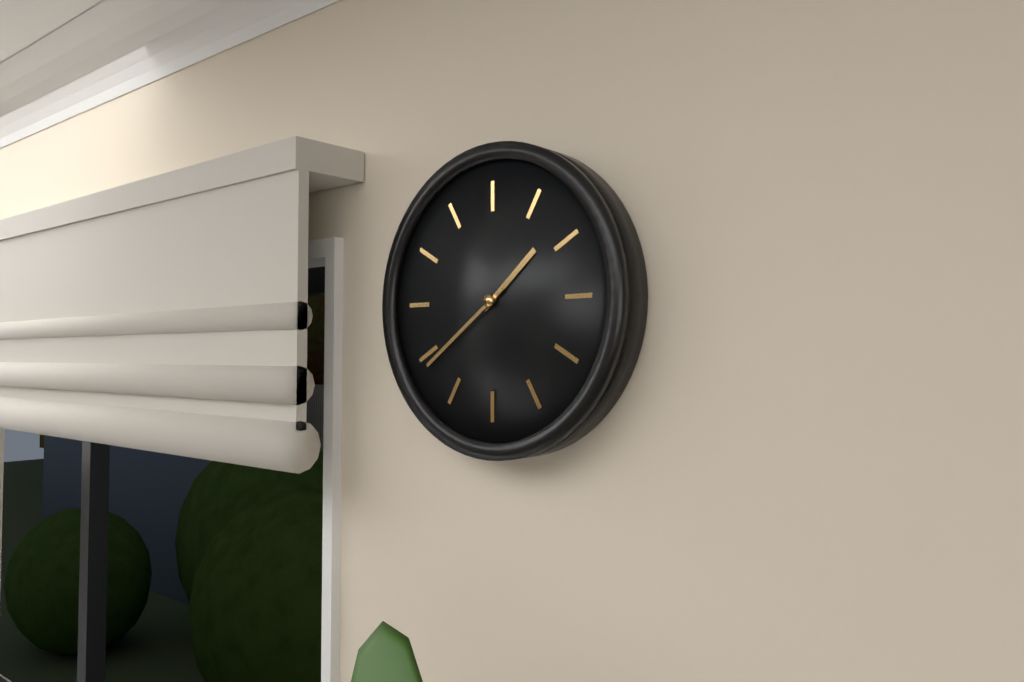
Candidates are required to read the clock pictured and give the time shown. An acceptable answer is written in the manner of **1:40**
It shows **1:39**
